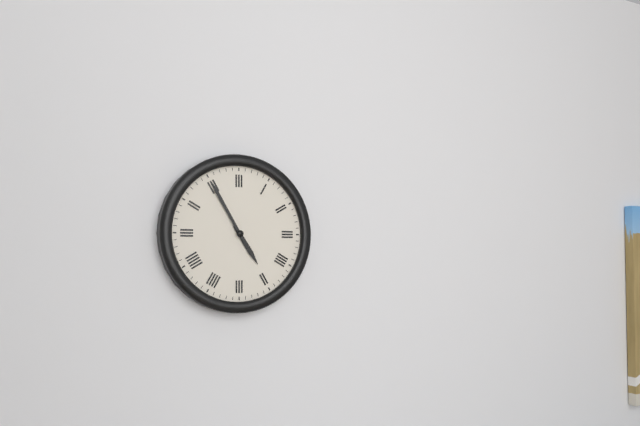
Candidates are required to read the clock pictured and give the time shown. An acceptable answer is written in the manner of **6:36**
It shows **4:55**
